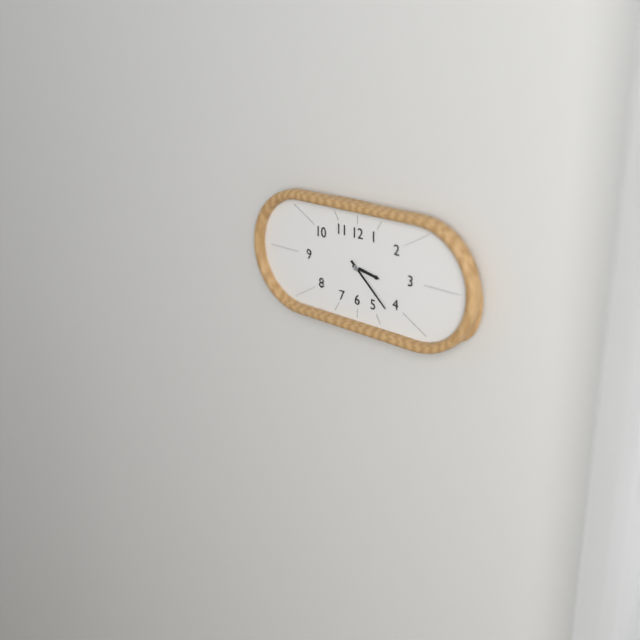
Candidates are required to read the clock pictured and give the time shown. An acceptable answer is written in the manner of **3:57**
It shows **3:22**
